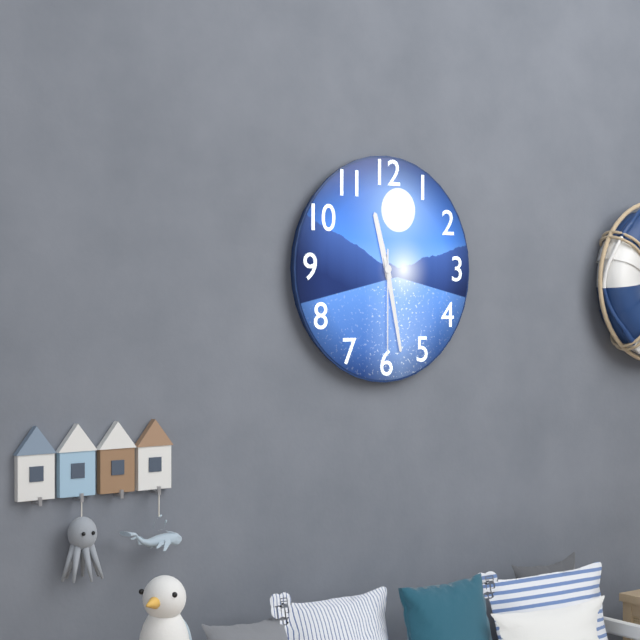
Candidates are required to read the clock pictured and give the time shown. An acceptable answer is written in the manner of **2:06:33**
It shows **11:28:30**
